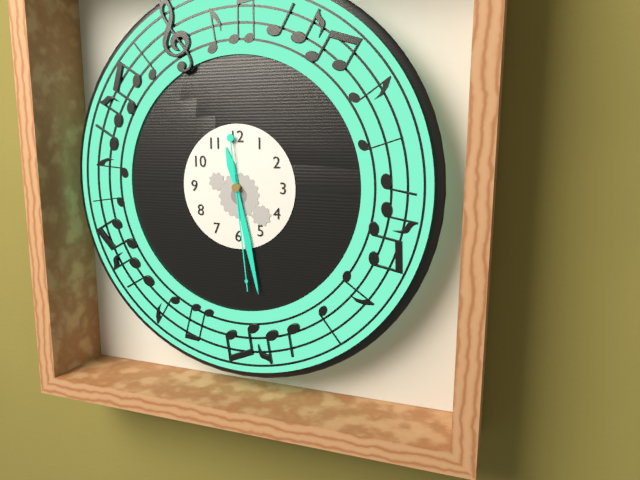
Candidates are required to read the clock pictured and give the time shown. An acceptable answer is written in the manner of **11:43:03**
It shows **11:28:29**
